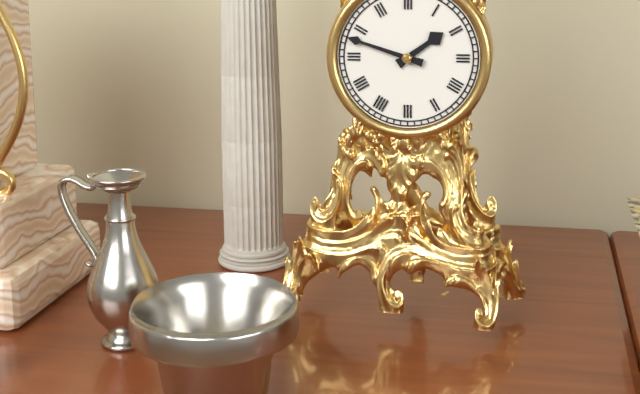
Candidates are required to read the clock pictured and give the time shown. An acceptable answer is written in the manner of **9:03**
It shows **1:48**
